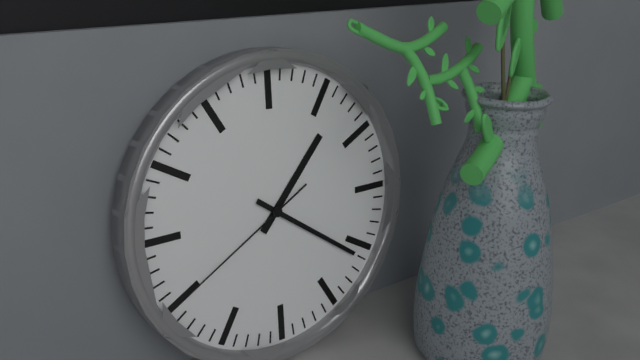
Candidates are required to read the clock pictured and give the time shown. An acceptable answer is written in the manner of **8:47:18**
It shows **1:21:40**
